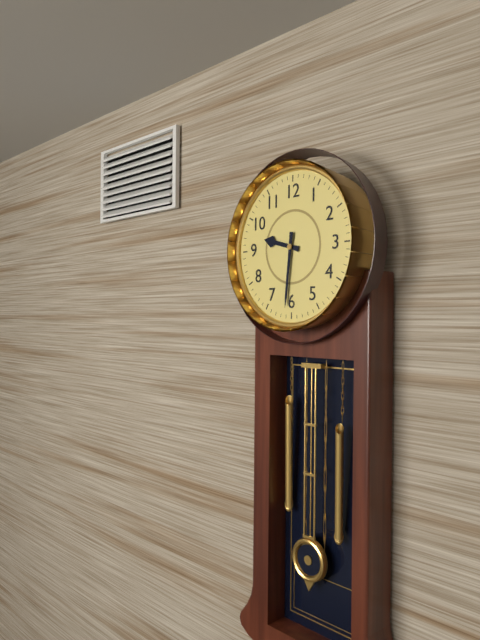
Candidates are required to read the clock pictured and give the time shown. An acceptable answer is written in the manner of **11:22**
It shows **9:31**
